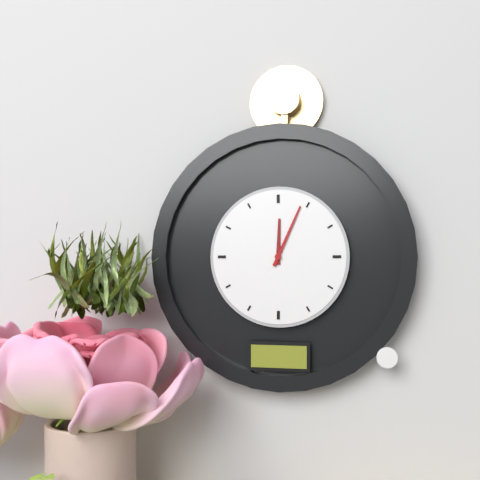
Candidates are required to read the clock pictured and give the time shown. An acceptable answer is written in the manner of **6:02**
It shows **12:04**
